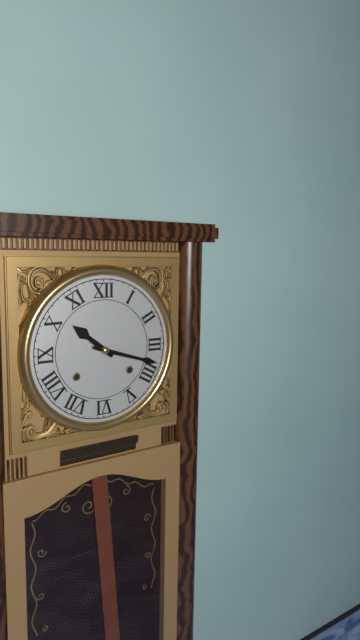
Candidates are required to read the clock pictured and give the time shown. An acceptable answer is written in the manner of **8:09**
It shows **10:18**
